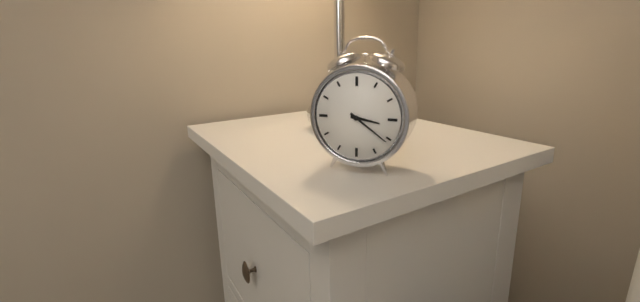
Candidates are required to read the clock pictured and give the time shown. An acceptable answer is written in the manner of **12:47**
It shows **3:21**
